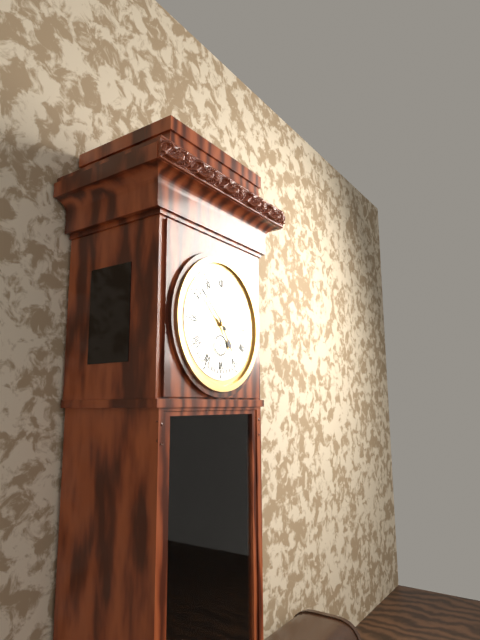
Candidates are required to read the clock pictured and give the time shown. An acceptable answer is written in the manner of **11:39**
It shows **4:52**
